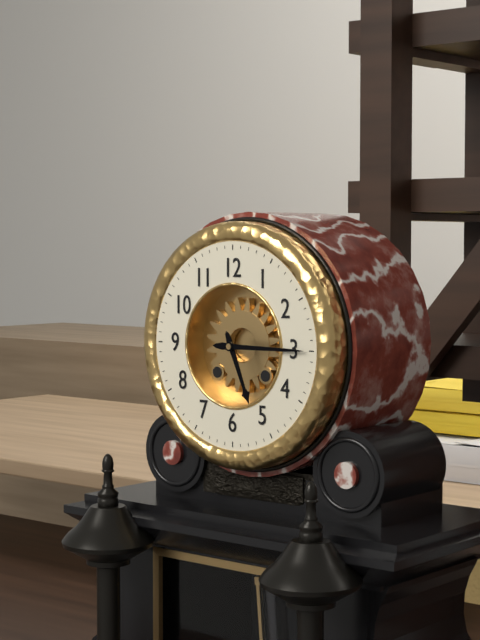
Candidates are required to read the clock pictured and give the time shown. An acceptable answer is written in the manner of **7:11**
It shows **5:15**
